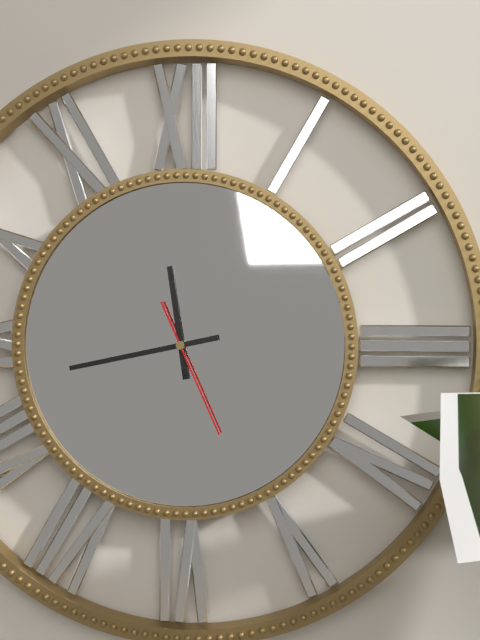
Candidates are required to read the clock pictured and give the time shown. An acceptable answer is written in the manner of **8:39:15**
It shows **11:43:26**
